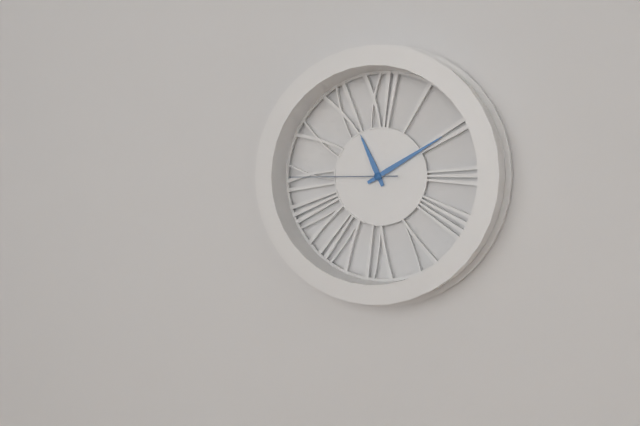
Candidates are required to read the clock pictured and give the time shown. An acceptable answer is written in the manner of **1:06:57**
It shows **11:10:45**
